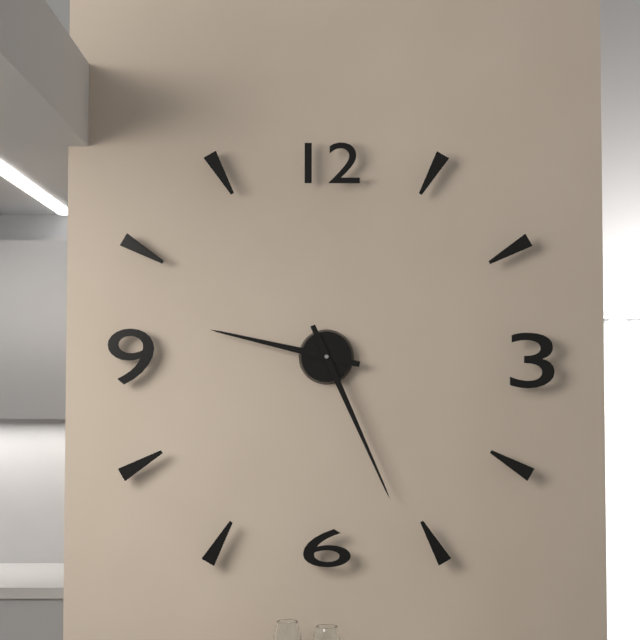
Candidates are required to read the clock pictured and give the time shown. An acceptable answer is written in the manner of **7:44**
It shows **9:26**
